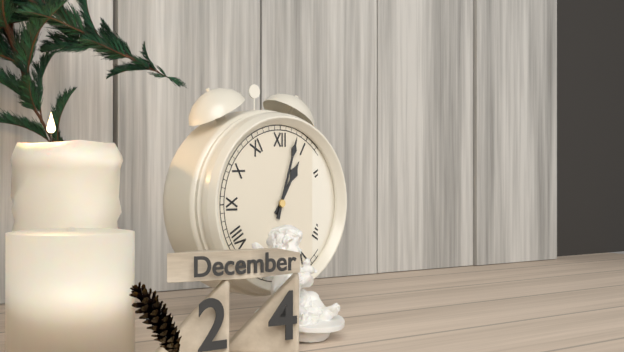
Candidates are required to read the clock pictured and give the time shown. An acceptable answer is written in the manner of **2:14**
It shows **1:03**
